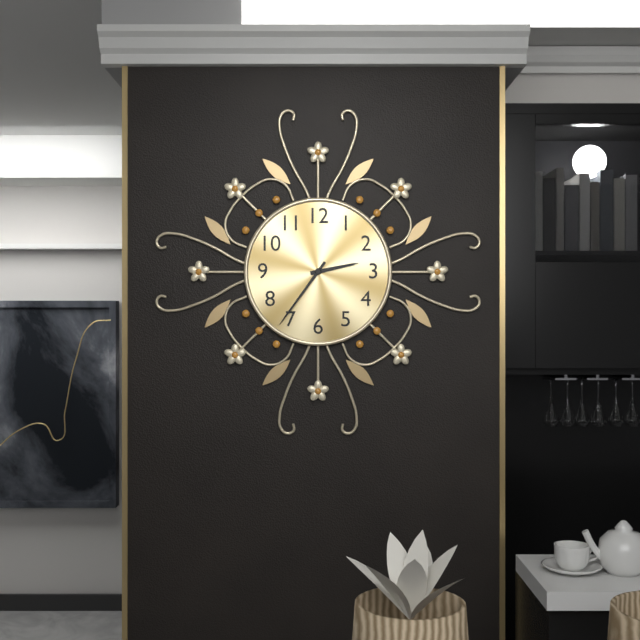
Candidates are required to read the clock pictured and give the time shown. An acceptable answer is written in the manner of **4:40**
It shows **2:36**
